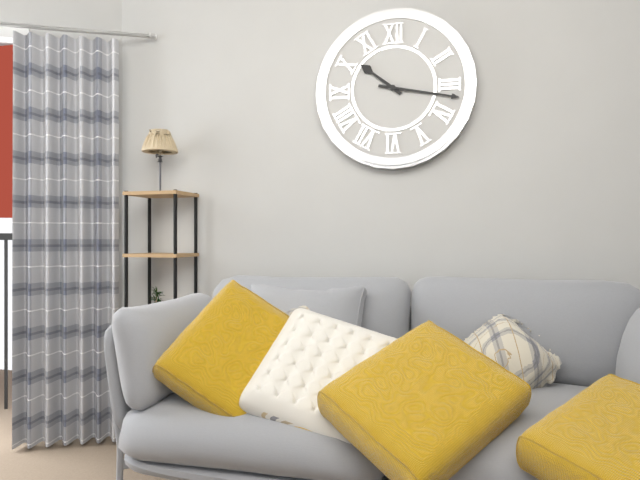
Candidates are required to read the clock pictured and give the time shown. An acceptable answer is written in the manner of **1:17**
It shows **10:17**
